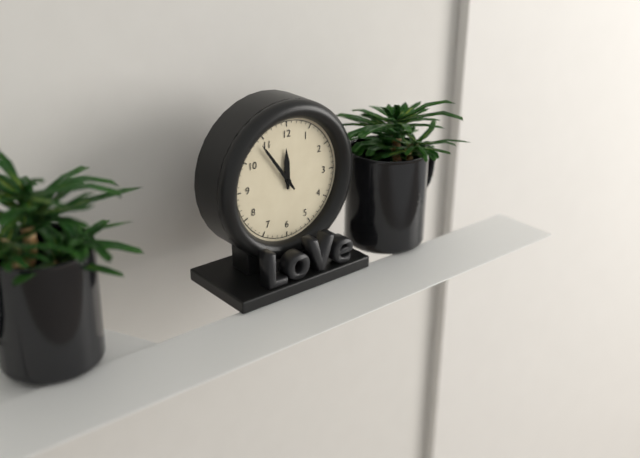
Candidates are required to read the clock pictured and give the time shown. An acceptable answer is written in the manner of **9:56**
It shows **11:54**
